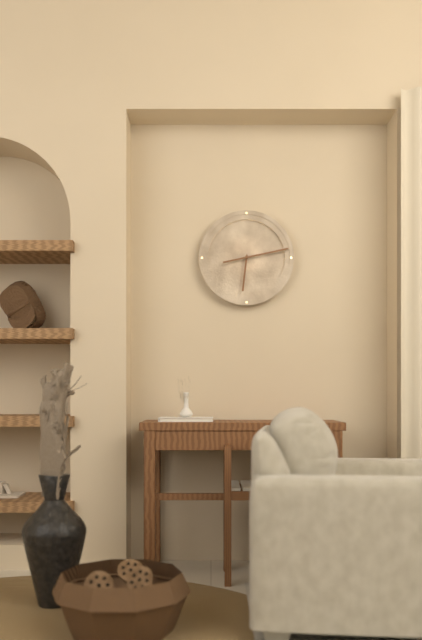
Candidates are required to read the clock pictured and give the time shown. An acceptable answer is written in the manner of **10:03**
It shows **6:13**
